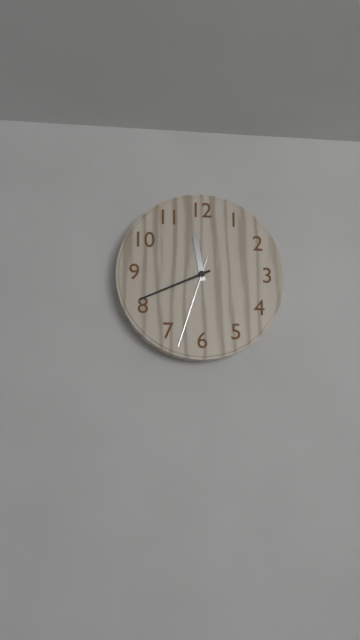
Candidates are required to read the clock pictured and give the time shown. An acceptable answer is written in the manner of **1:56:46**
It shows **11:41:33**
